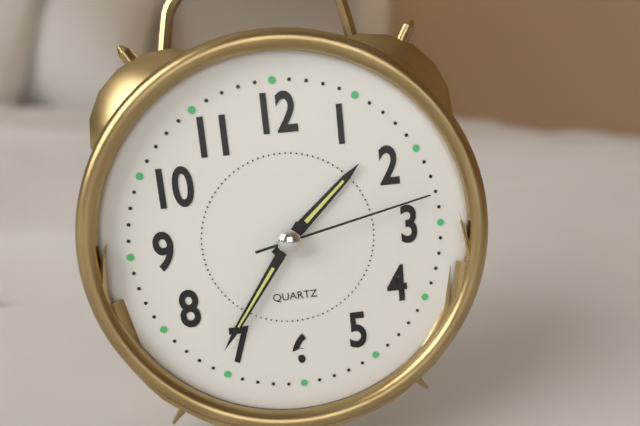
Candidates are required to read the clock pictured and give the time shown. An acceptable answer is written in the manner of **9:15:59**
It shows **1:36:13**
